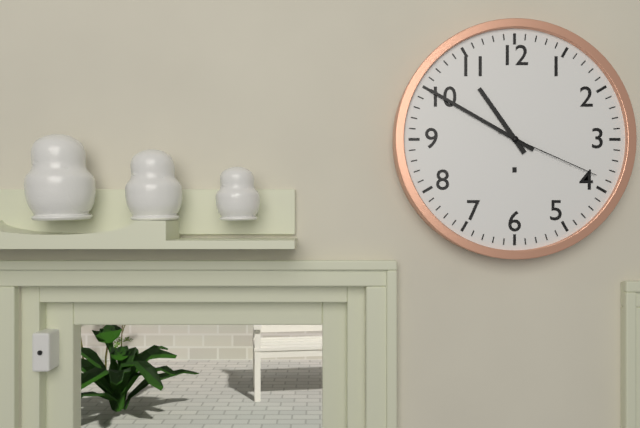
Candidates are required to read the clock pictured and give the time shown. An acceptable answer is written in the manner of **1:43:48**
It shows **10:50:19**
